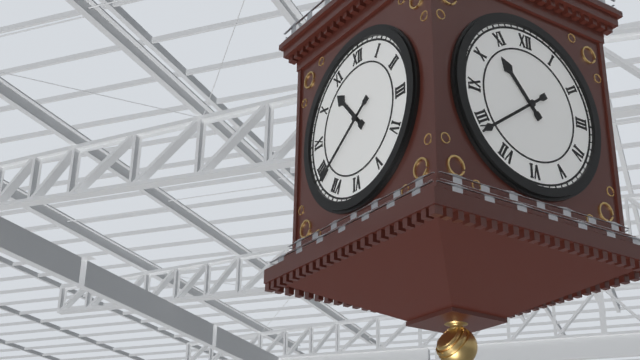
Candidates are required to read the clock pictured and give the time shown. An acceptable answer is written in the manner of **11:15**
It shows **10:39**
